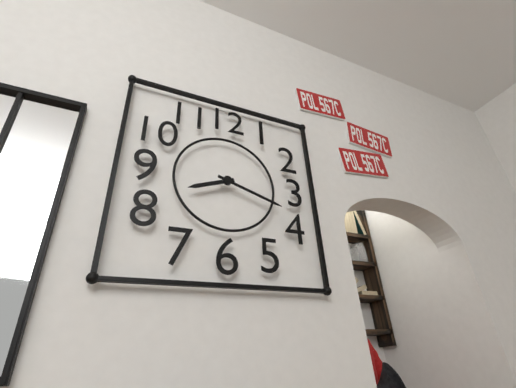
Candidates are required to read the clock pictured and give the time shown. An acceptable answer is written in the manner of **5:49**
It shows **8:18**
